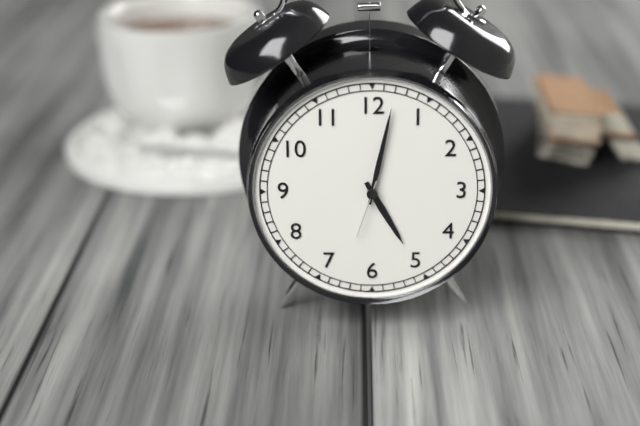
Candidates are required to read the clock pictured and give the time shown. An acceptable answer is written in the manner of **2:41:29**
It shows **5:02:33**
